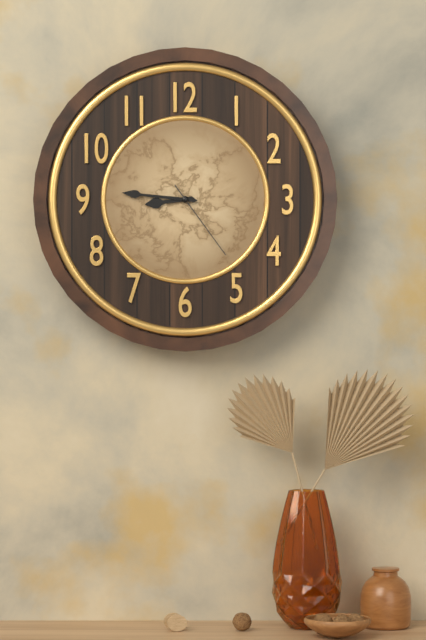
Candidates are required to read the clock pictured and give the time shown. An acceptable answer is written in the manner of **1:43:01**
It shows **8:46:24**
